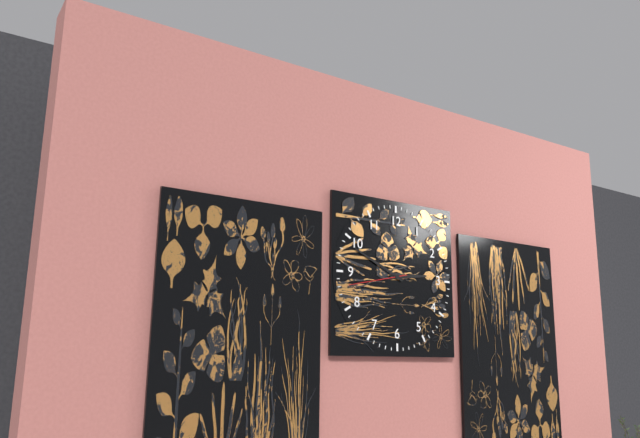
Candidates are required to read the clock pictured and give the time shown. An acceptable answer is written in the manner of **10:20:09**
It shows **2:49:43**
